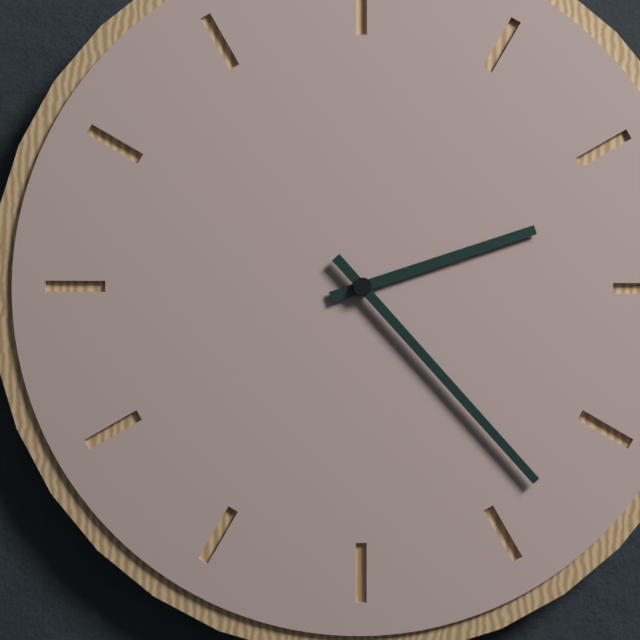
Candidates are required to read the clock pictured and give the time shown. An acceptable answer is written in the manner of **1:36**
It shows **2:23**
